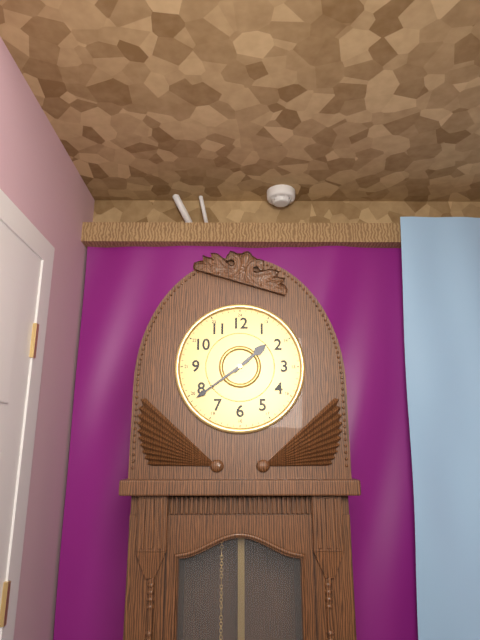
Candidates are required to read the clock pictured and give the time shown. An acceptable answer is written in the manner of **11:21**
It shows **1:39**
